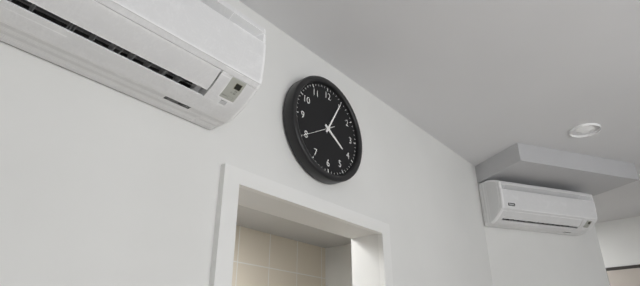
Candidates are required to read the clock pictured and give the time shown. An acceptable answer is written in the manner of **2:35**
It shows **4:05**
